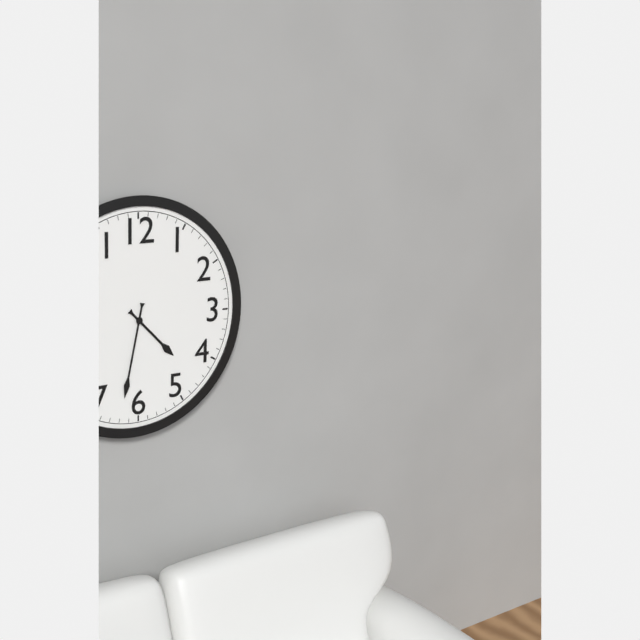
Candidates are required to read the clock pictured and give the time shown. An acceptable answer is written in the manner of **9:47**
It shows **4:32**
